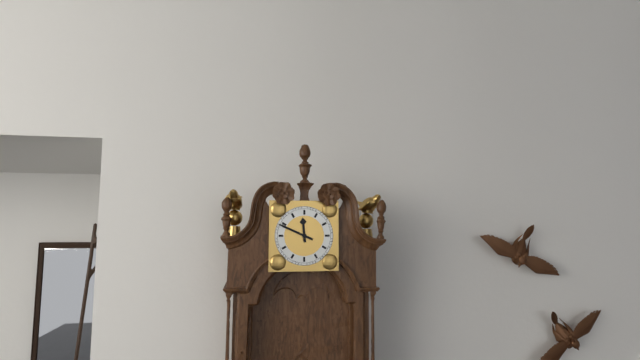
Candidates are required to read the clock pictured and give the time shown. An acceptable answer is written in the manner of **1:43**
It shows **11:49**
